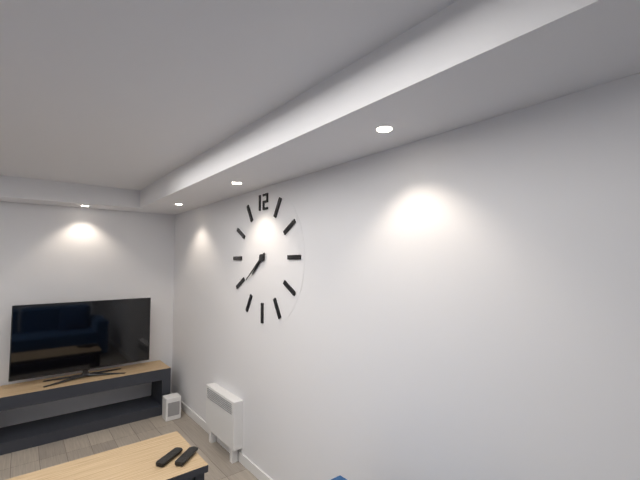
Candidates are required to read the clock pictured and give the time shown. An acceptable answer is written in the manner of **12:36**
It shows **7:39**
